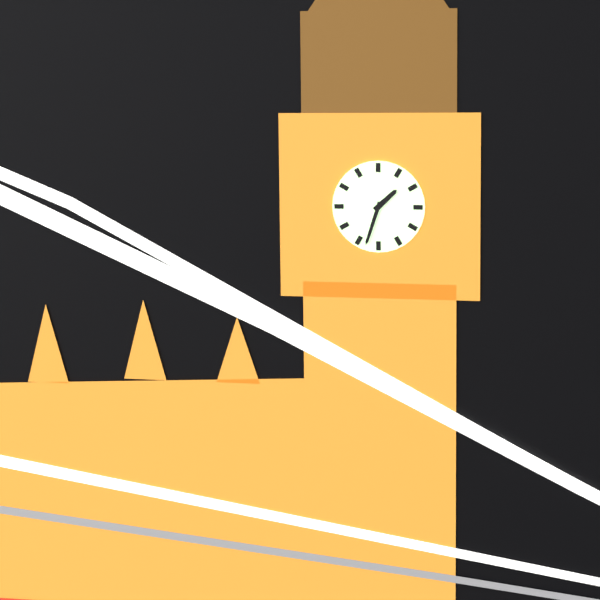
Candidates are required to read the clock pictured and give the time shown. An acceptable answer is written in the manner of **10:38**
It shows **1:33**
